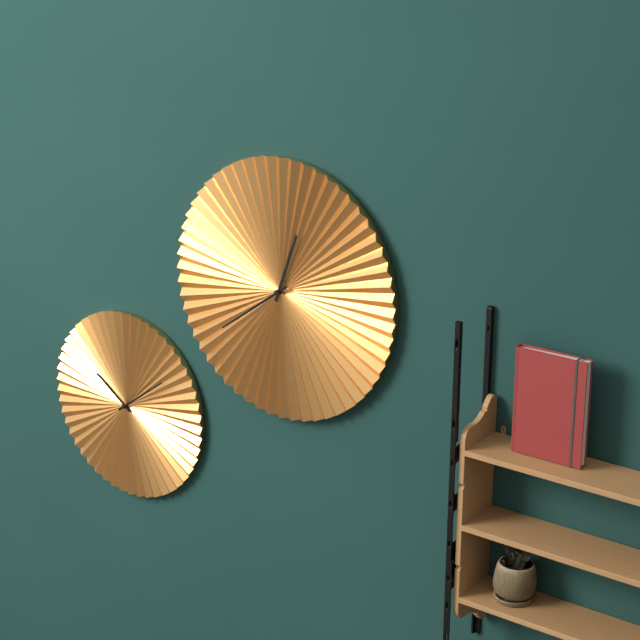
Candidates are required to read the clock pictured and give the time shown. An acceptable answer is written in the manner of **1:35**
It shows **12:39**
